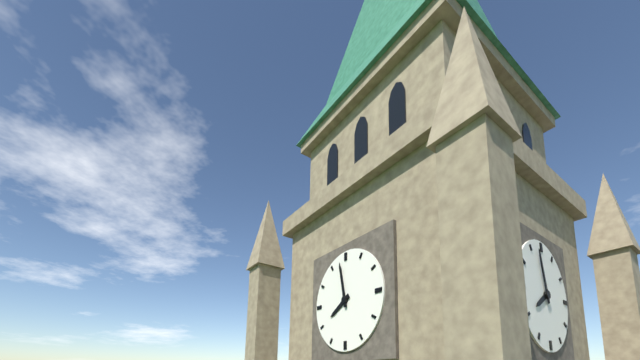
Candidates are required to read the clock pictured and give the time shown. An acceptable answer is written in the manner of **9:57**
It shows **7:58**
